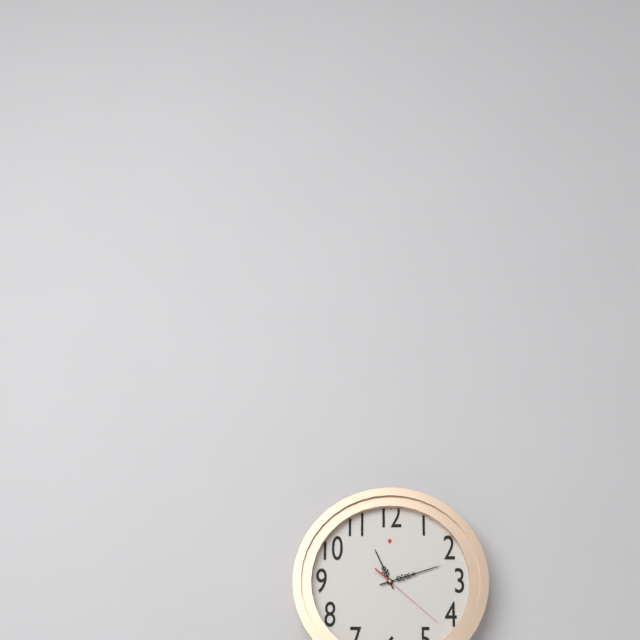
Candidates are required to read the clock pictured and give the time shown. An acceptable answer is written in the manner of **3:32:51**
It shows **11:12:22**
